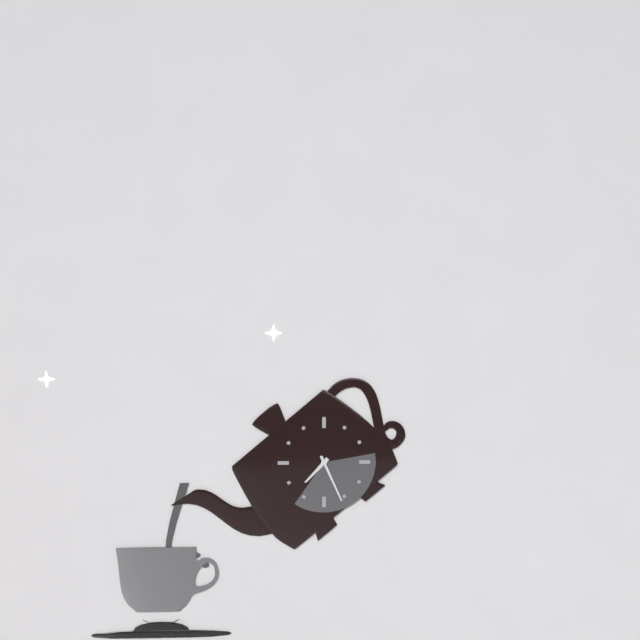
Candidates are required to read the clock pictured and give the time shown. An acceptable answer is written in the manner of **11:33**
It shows **7:26**
